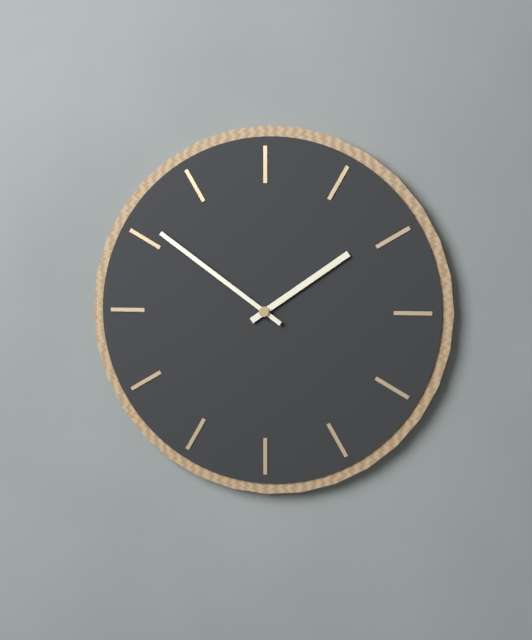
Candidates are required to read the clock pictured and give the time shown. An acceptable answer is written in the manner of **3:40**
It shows **1:51**
